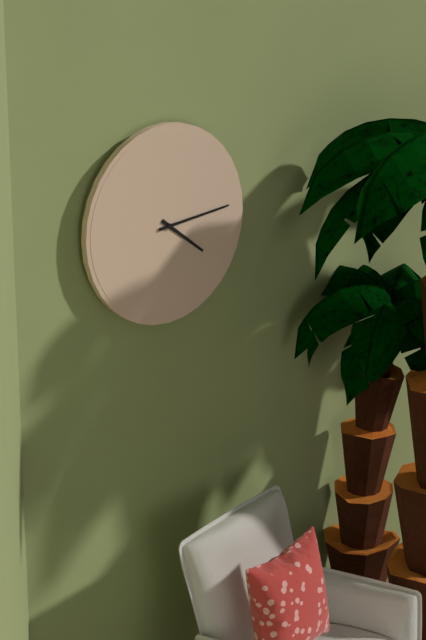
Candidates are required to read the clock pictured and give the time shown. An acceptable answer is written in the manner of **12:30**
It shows **4:14**
